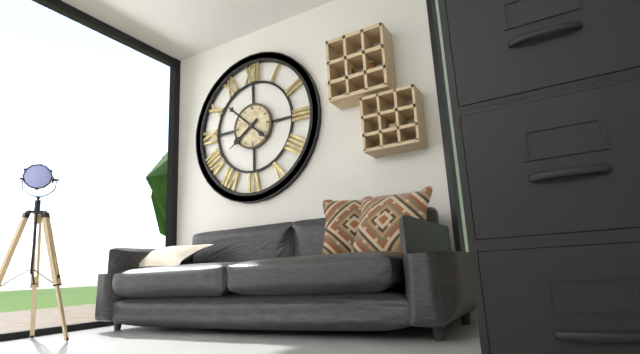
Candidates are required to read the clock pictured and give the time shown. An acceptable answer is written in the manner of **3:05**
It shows **7:52**
